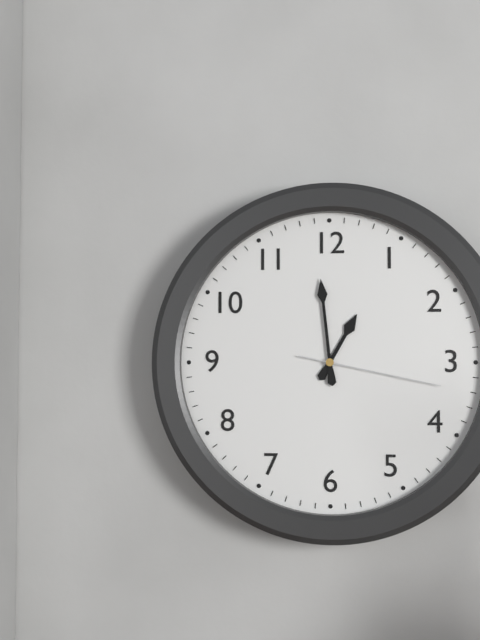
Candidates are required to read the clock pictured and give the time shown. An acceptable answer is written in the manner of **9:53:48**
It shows **12:59:17**
